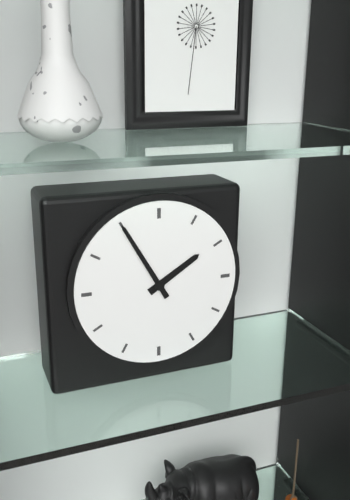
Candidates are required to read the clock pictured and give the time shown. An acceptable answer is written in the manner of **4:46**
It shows **1:55**
